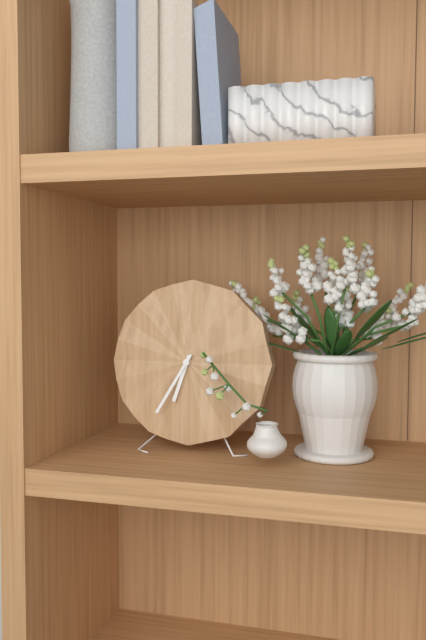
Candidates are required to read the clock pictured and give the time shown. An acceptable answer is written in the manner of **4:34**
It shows **6:35**
